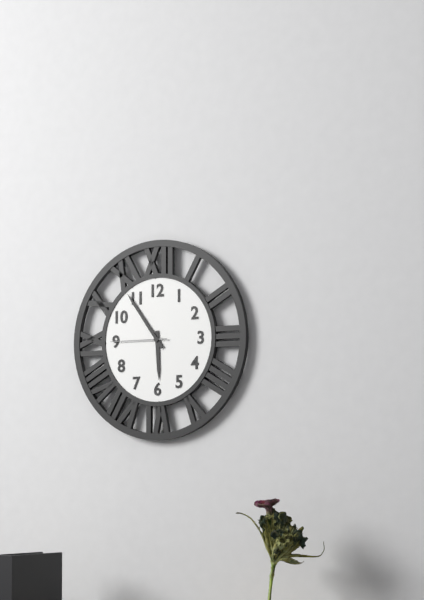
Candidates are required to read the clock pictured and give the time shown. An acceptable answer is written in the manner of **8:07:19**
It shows **5:54:45**
